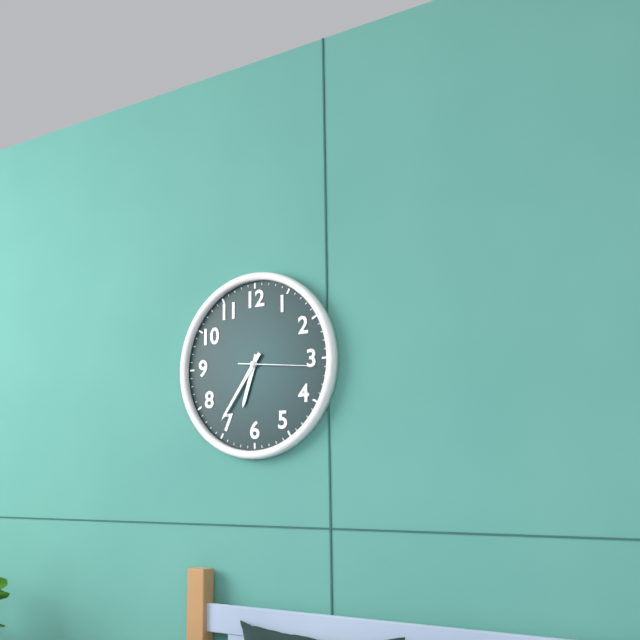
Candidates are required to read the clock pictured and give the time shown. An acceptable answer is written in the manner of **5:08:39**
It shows **6:36:16**
